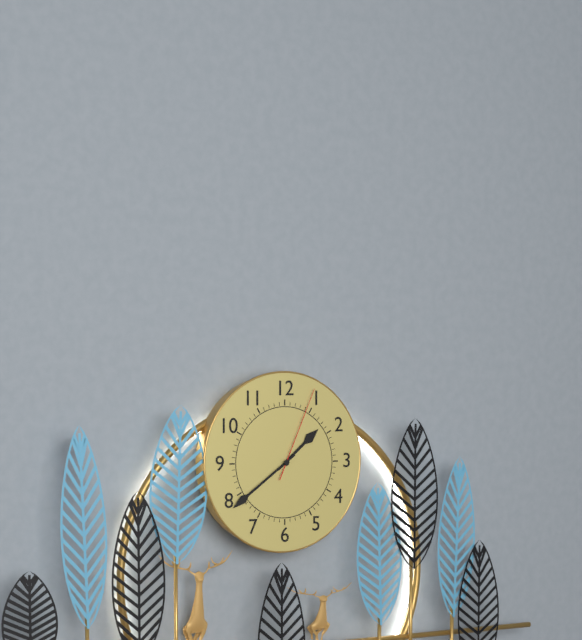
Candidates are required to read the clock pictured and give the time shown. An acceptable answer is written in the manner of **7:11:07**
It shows **1:39:04**
